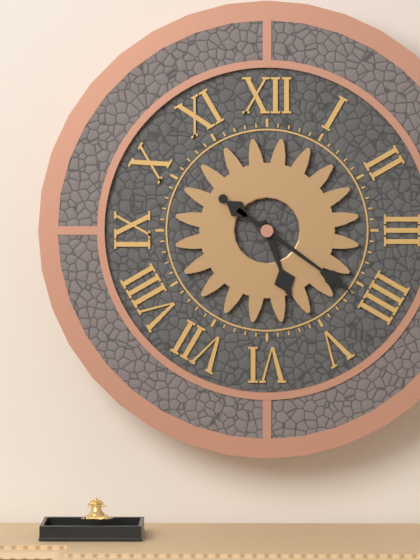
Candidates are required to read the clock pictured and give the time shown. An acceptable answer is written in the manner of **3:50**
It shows **5:21**
